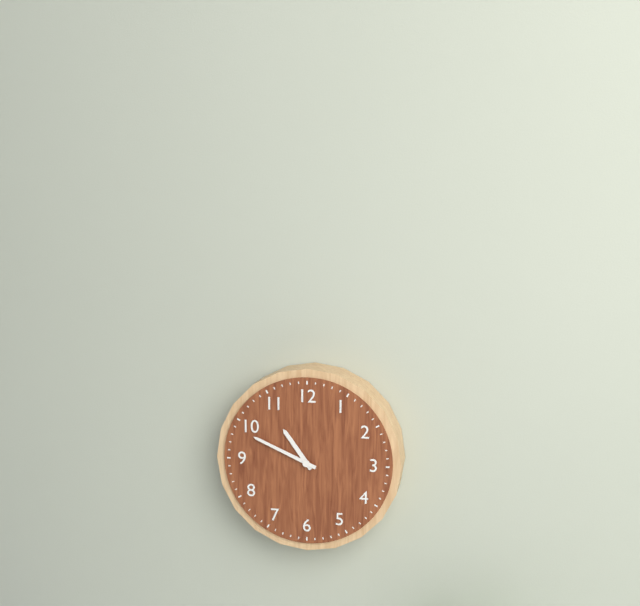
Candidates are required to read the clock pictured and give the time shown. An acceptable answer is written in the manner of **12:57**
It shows **10:49**
